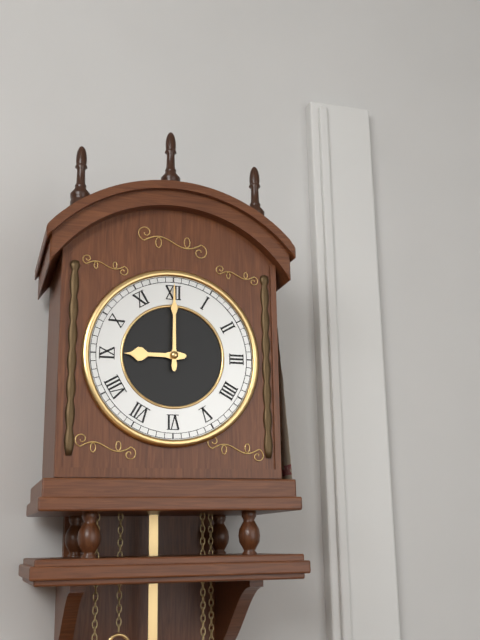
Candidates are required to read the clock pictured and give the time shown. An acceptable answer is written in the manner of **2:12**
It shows **9:00**
